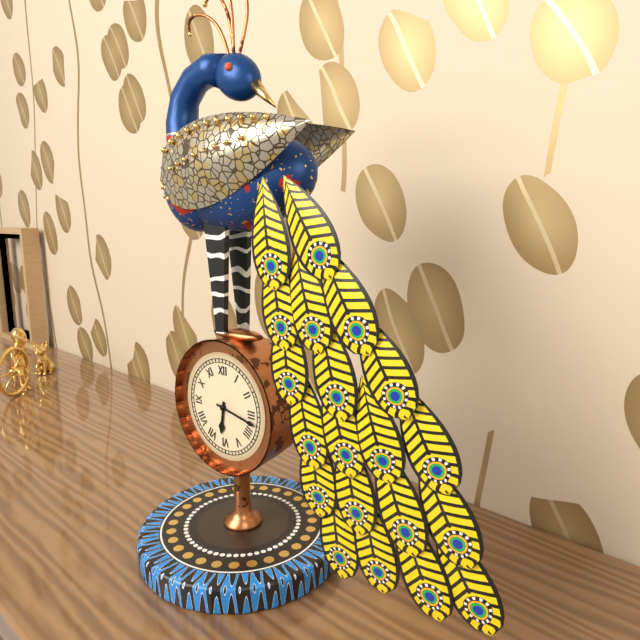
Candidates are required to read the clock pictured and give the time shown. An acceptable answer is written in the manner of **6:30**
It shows **6:17**
